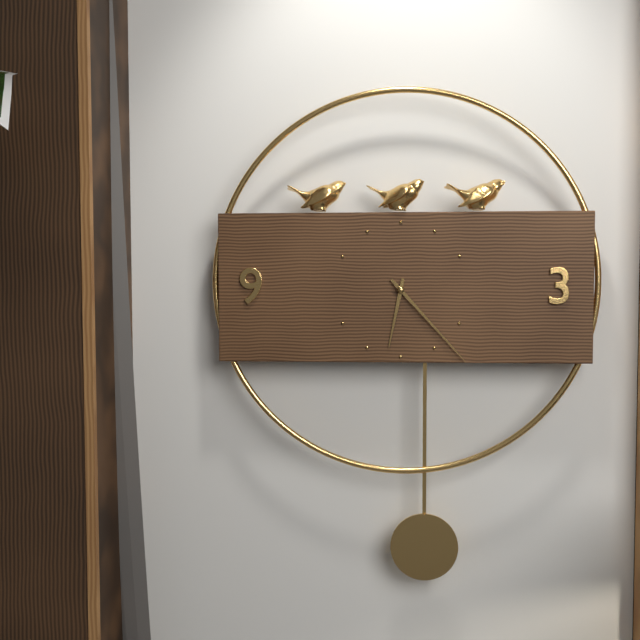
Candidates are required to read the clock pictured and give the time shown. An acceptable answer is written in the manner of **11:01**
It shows **6:23**
